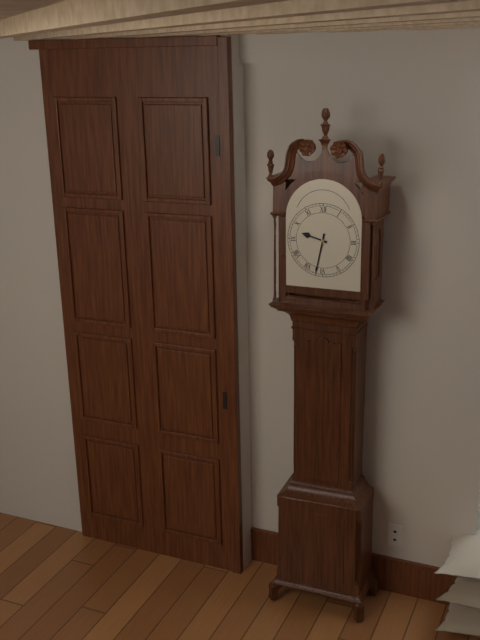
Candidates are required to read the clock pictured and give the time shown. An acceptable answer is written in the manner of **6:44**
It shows **9:32**
